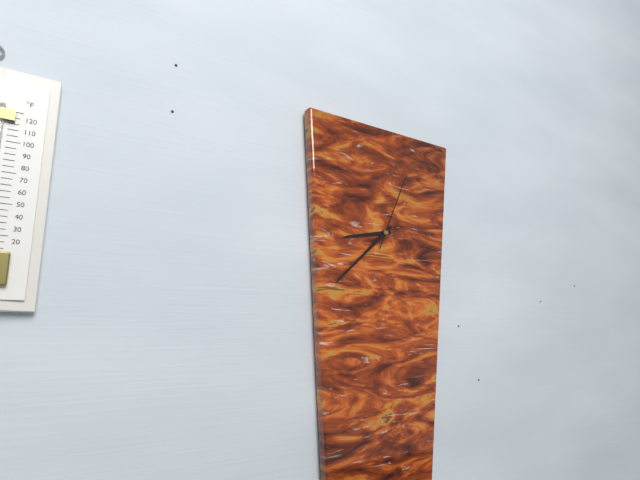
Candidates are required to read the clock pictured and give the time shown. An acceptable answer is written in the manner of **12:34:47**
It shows **8:38:04**
